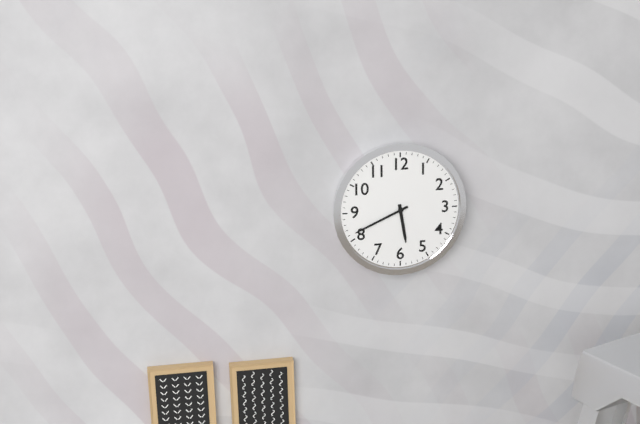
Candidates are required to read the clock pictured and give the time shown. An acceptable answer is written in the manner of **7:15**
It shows **5:41**
